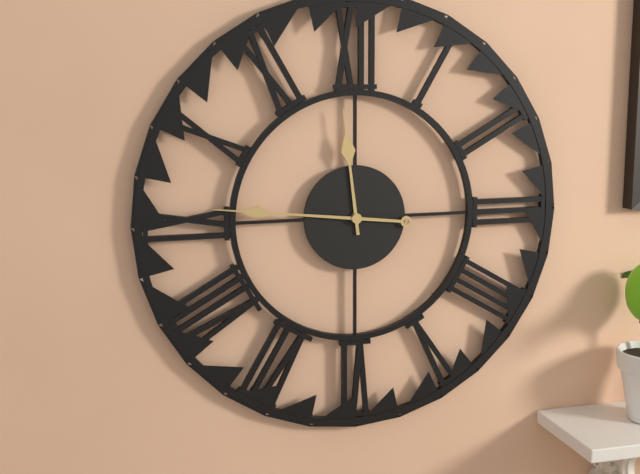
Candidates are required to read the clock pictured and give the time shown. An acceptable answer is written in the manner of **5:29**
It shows **11:46**
